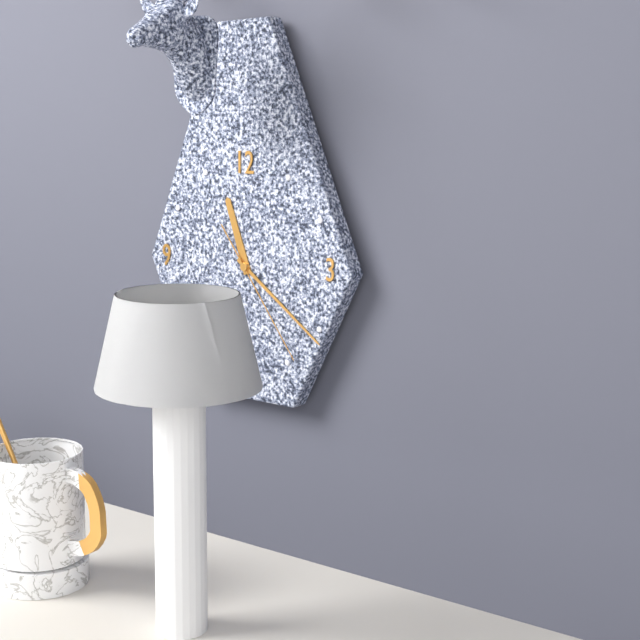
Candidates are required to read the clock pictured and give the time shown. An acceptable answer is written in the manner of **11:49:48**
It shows **11:21:24**
